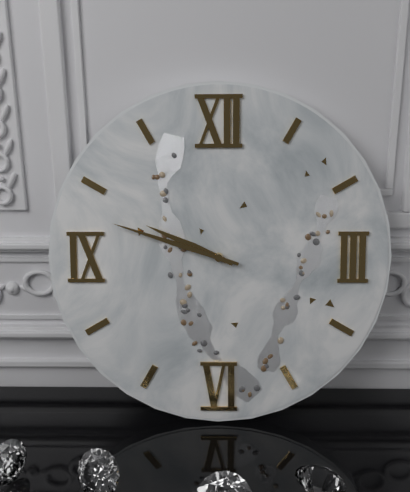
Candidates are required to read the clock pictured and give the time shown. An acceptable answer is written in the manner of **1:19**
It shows **9:48**
